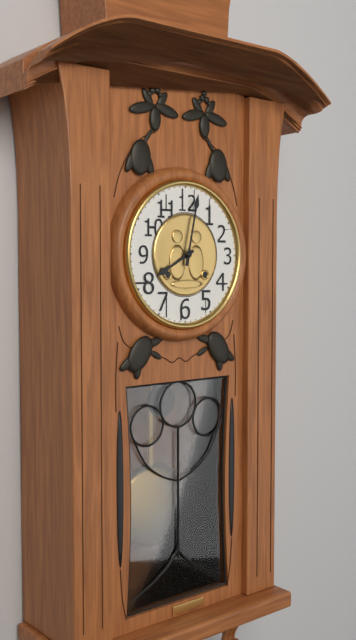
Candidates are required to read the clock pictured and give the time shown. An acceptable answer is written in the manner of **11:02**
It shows **8:02**
